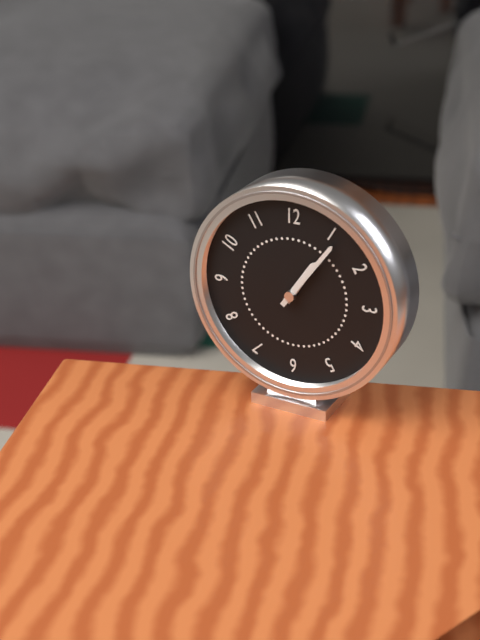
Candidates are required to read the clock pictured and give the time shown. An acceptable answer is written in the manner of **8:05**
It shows **1:06**
